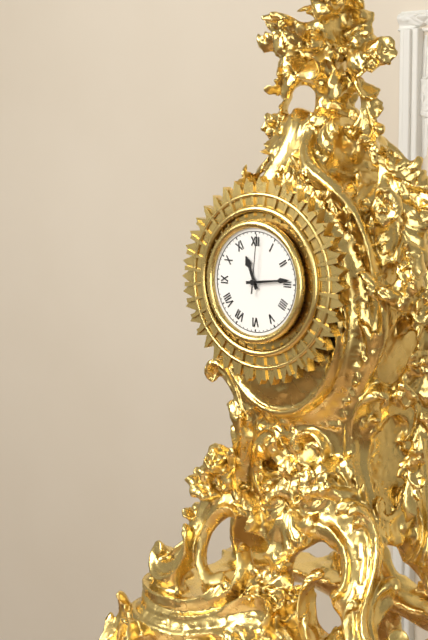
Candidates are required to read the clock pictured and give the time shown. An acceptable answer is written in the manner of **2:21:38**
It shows **11:14:01**
